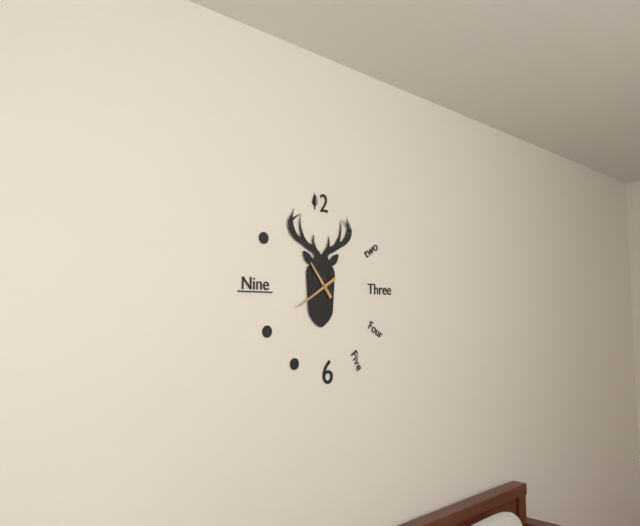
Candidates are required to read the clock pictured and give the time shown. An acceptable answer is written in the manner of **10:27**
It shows **10:40**
